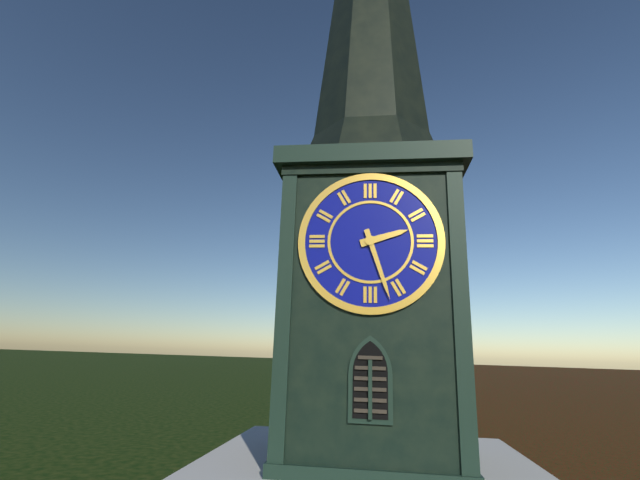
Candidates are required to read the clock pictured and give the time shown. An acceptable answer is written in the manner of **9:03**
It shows **2:27**
